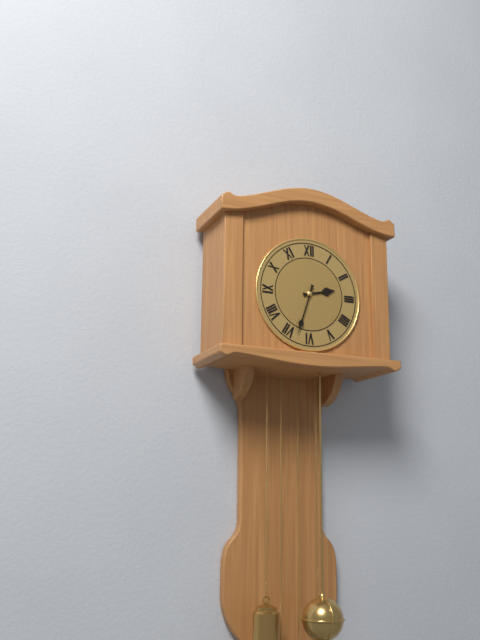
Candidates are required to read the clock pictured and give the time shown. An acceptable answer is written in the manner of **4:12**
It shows **2:33**
